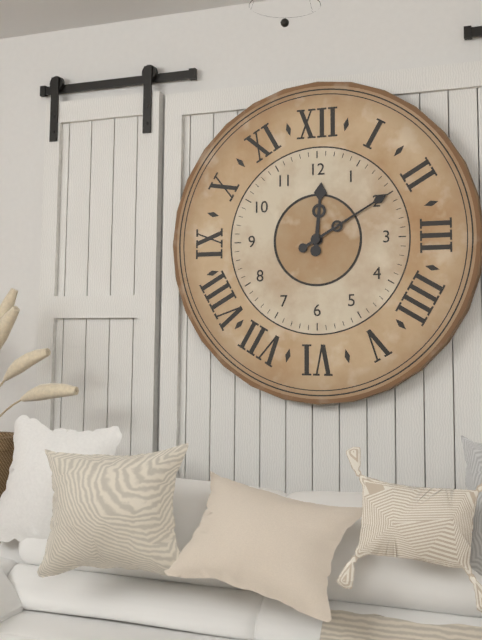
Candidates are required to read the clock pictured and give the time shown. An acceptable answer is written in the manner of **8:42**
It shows **12:10**
